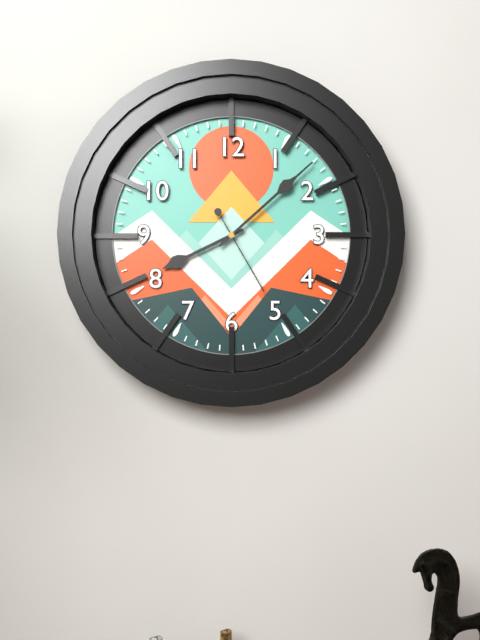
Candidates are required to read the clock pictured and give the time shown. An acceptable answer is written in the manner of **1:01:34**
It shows **8:08:25**
